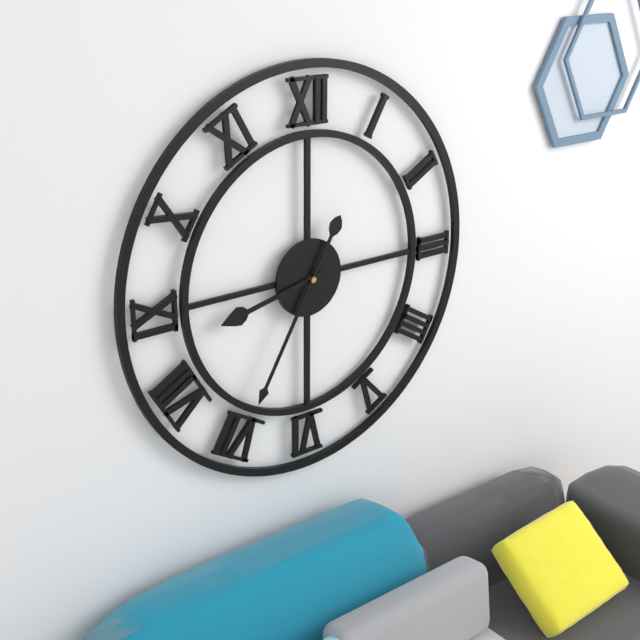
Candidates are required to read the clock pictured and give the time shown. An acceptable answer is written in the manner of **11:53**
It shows **8:35**
